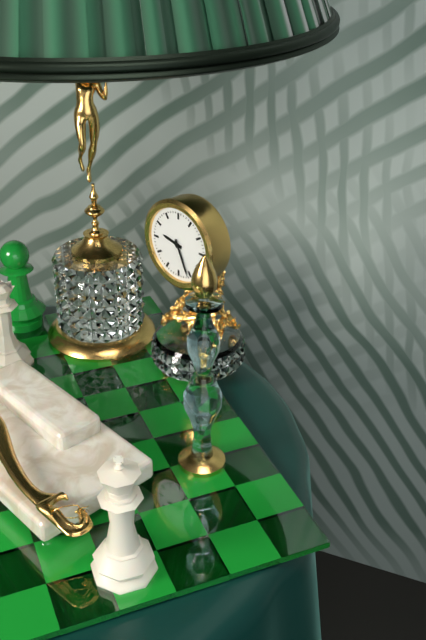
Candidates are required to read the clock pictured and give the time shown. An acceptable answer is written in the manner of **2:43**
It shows **9:26**
